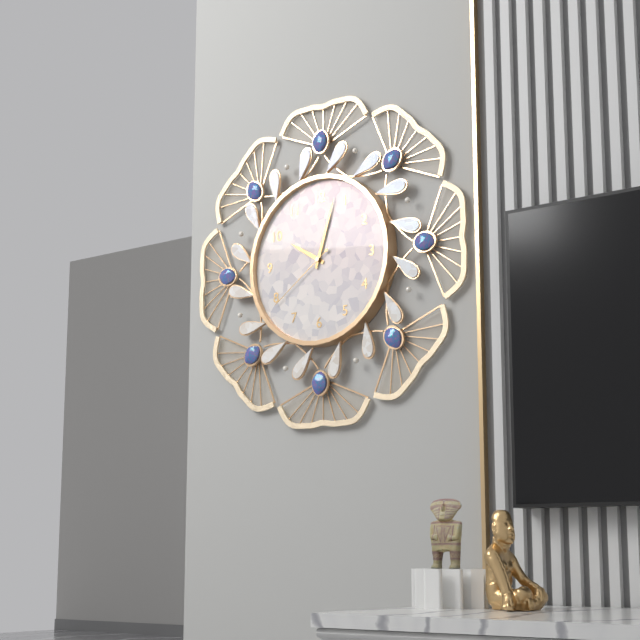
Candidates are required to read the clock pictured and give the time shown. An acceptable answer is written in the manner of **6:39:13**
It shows **10:03:39**
